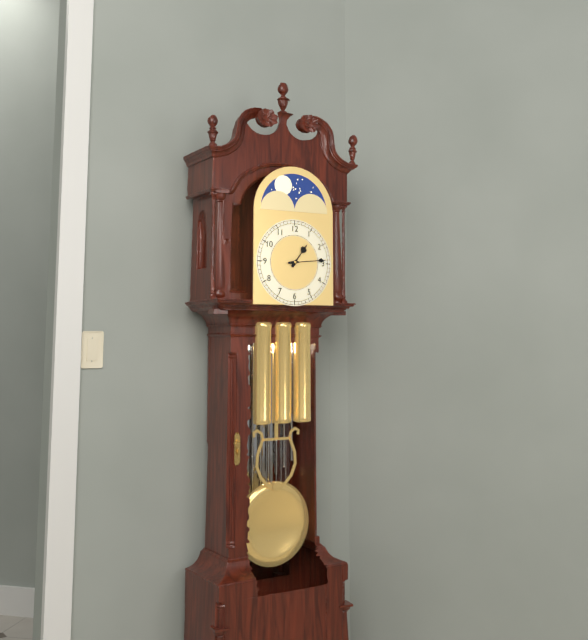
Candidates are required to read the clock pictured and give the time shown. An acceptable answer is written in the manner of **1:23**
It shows **1:14**
